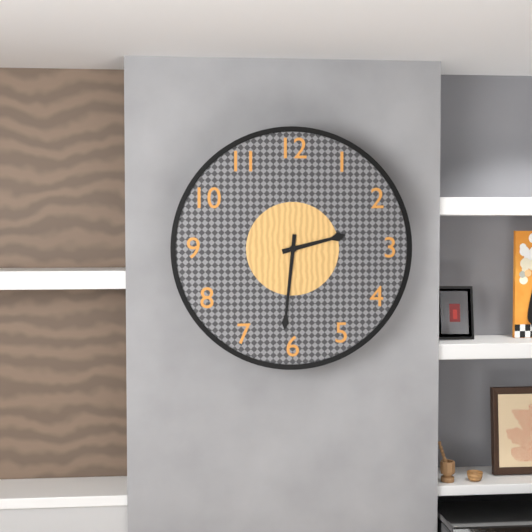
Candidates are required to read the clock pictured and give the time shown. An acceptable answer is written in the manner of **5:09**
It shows **2:31**
